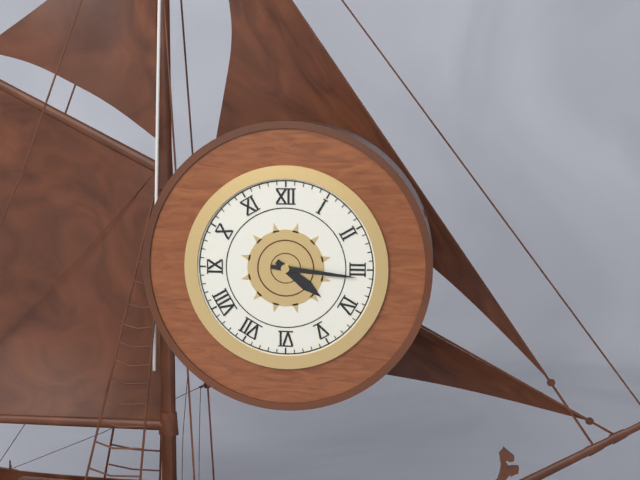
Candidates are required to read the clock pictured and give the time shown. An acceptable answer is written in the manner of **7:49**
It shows **4:16**
